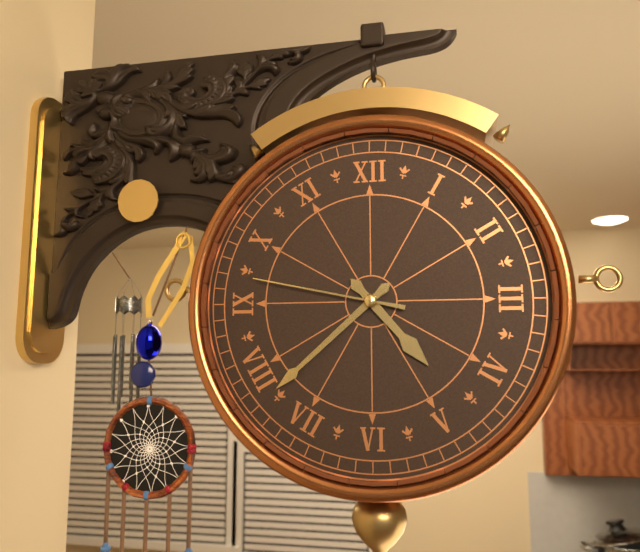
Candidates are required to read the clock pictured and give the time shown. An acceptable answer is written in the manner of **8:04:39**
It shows **4:38:47**
